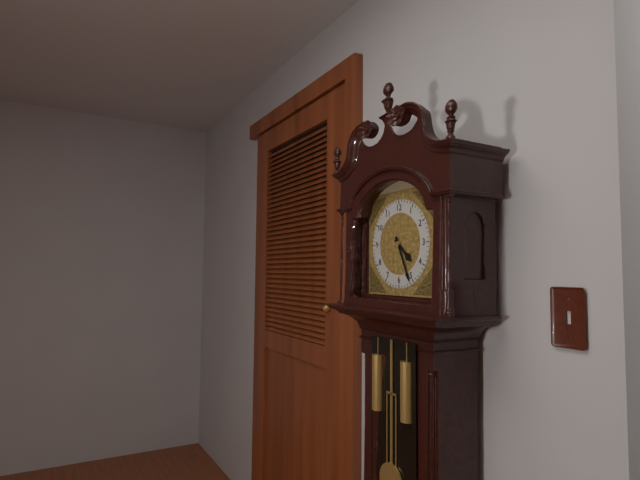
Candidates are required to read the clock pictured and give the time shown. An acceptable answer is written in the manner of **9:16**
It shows **4:26**
